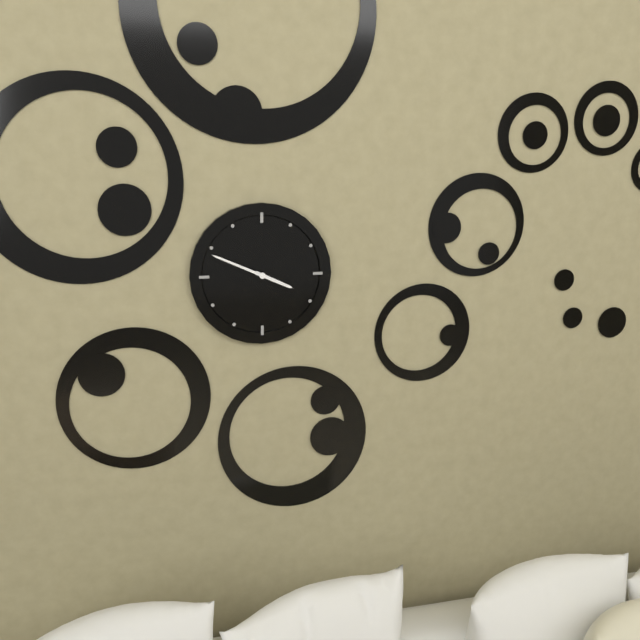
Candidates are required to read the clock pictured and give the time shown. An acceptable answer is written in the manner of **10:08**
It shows **3:49**
